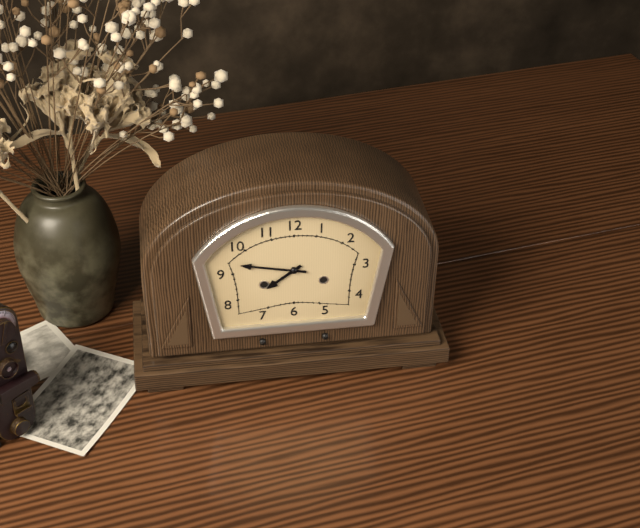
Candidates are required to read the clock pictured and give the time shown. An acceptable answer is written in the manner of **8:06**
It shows **7:47**
